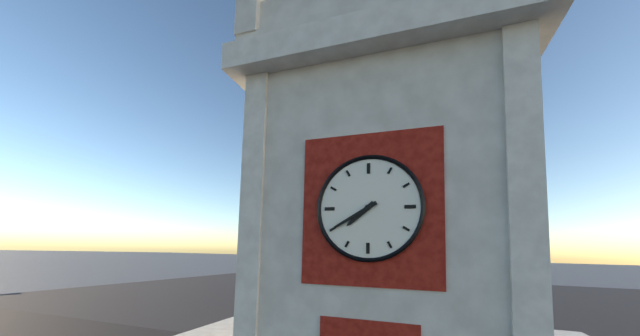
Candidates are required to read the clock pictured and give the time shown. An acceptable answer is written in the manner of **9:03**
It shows **7:40**
